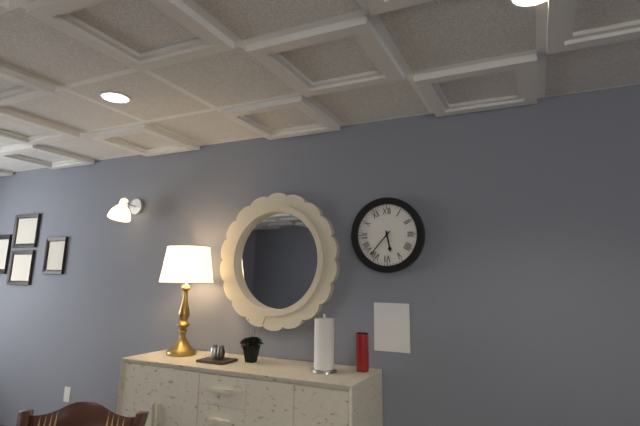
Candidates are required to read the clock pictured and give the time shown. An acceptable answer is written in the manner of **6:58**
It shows **5:37**
